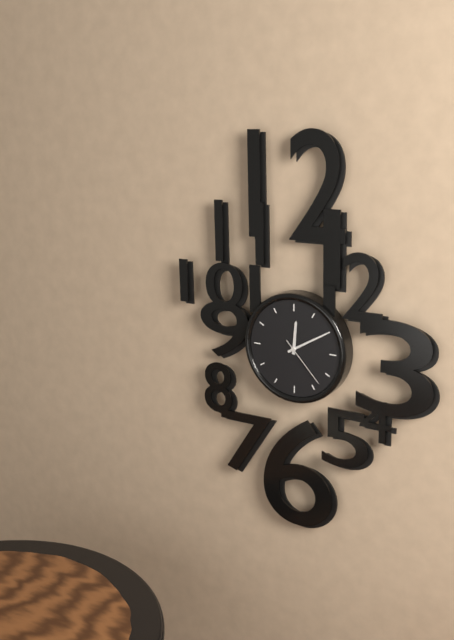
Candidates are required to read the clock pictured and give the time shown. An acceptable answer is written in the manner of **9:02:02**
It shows **12:10:23**
